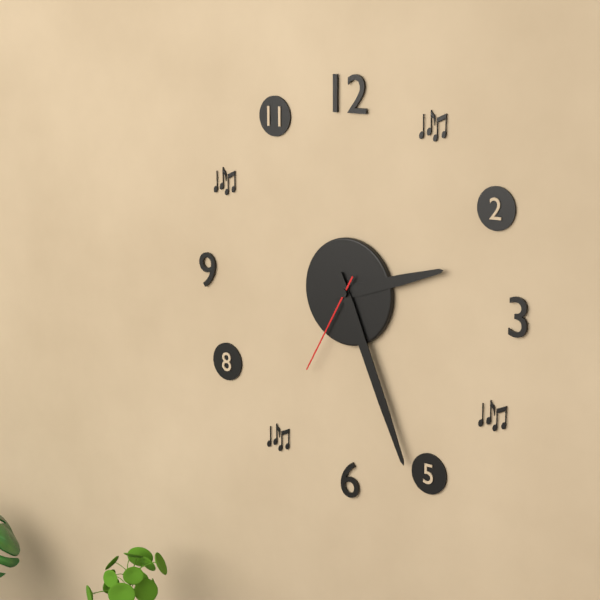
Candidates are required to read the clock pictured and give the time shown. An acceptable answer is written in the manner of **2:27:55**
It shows **2:26:35**
